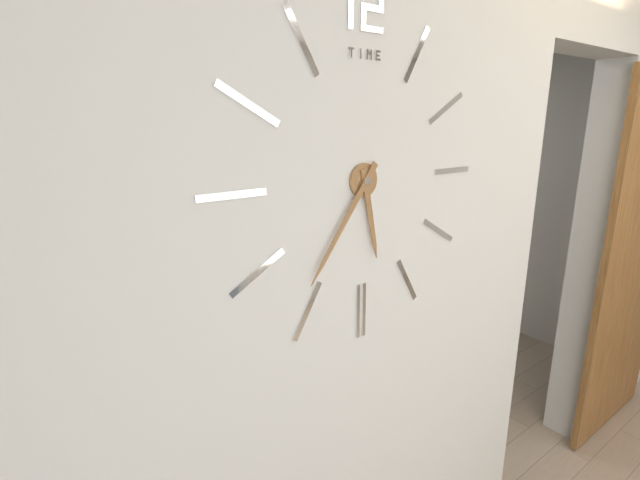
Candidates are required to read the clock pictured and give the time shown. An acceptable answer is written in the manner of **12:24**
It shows **5:36**
